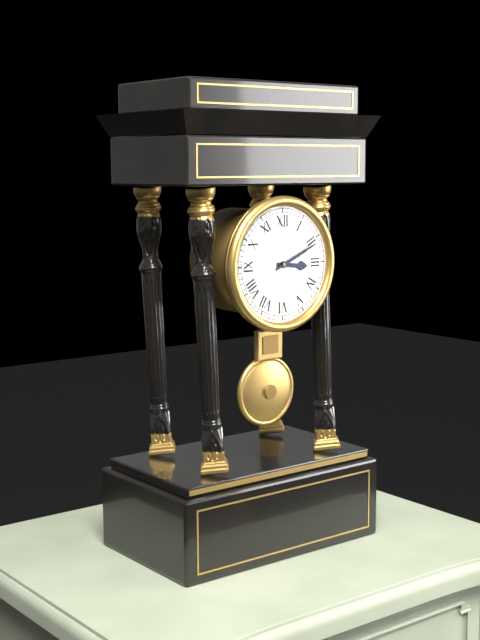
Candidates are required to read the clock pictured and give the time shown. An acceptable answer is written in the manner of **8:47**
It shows **3:11**
